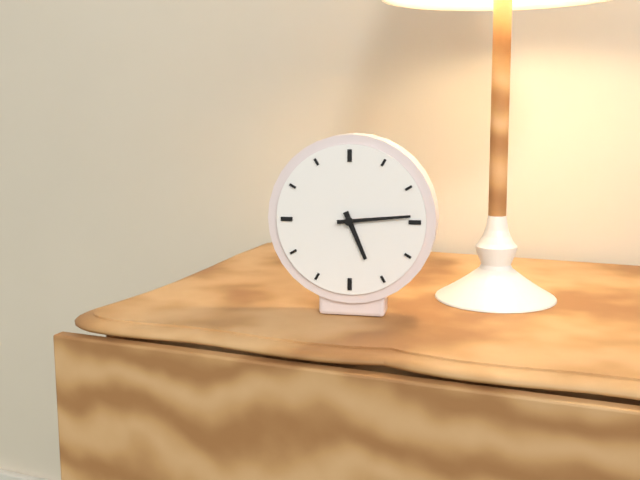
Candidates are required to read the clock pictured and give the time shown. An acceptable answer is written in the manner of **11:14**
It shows **5:14**
